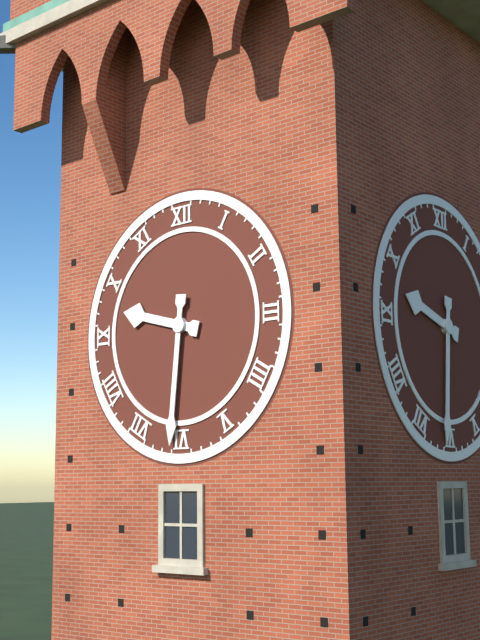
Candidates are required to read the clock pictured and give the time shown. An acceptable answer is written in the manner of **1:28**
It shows **9:31**
